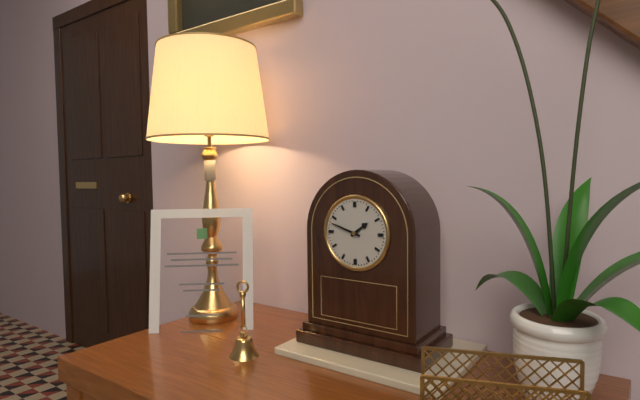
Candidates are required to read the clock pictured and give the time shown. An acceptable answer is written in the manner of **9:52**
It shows **1:48**
